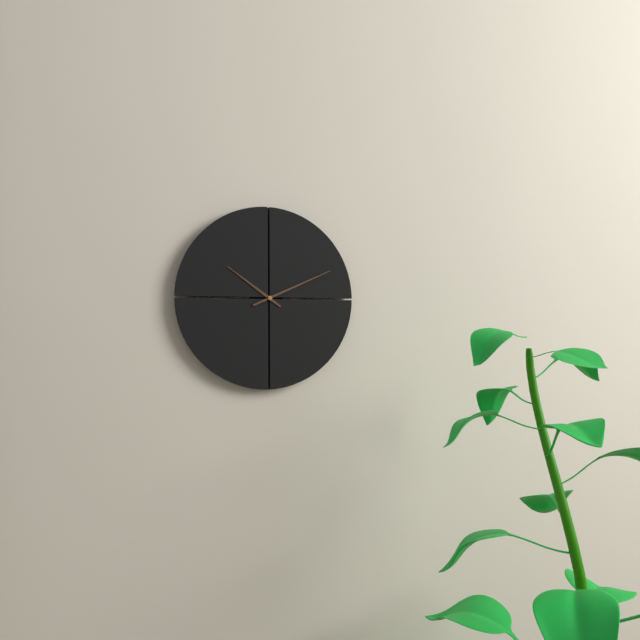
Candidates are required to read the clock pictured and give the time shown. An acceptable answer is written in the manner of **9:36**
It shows **10:11**
